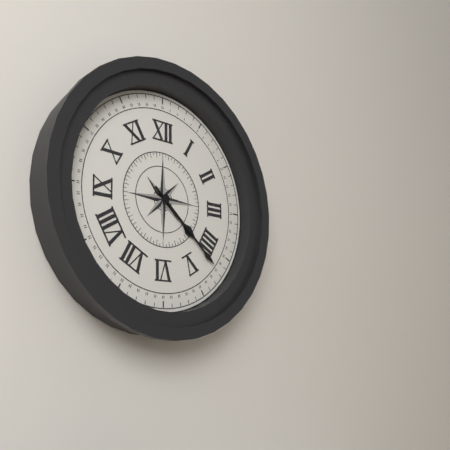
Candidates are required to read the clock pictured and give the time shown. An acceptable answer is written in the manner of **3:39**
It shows **4:22**
